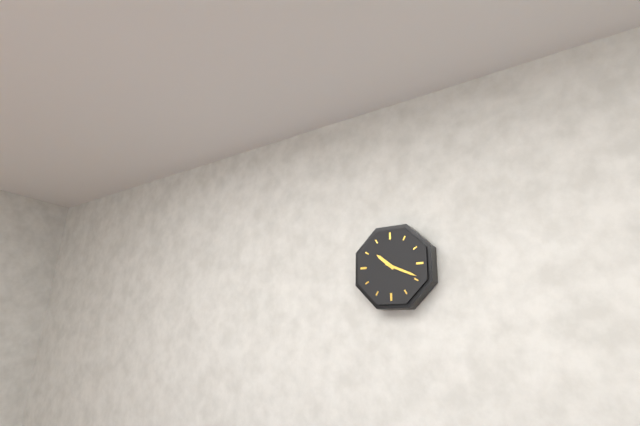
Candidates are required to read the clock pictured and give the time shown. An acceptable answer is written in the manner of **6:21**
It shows **10:19**
